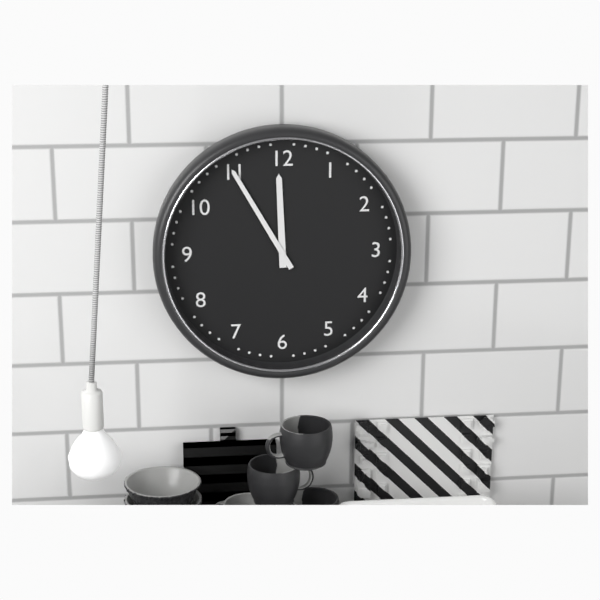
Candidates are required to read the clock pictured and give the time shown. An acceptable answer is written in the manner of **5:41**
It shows **11:55**
